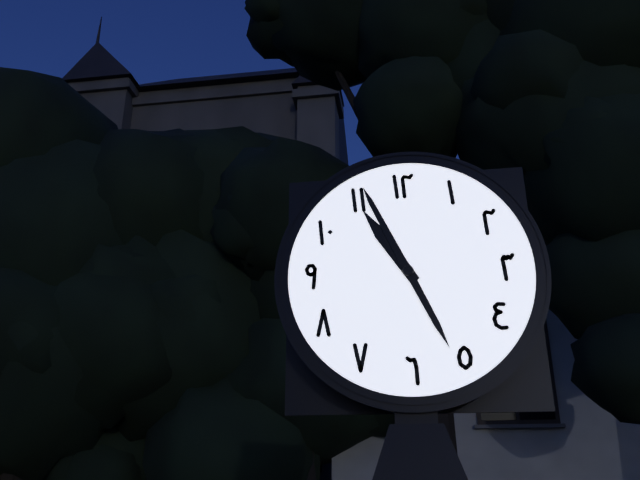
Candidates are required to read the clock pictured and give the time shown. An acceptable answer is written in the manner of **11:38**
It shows **10:56**
